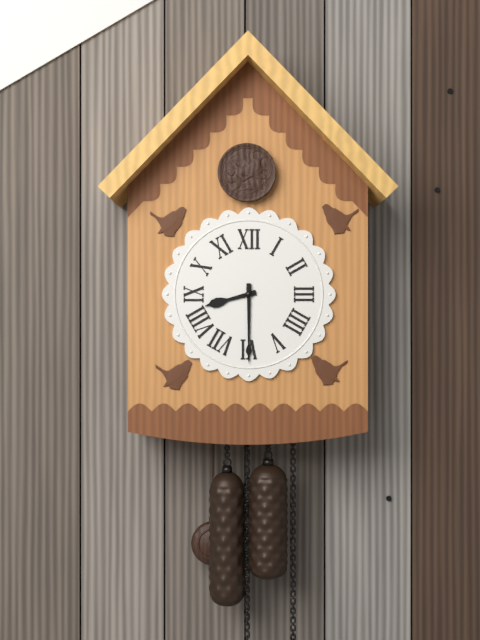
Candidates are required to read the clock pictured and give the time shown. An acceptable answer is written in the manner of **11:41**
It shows **8:30**
